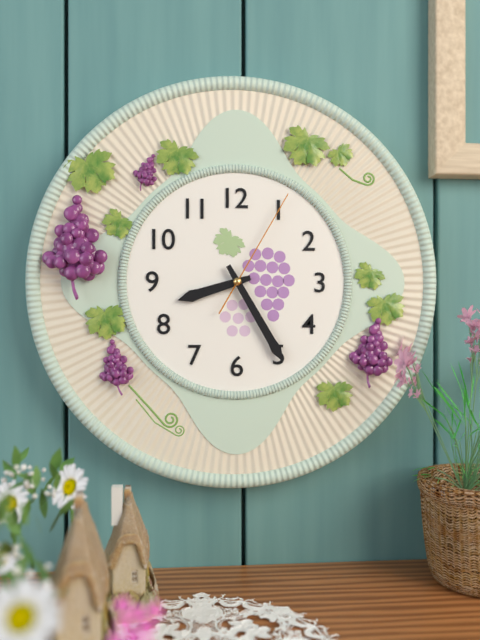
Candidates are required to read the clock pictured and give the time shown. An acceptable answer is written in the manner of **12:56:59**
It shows **8:25:05**
